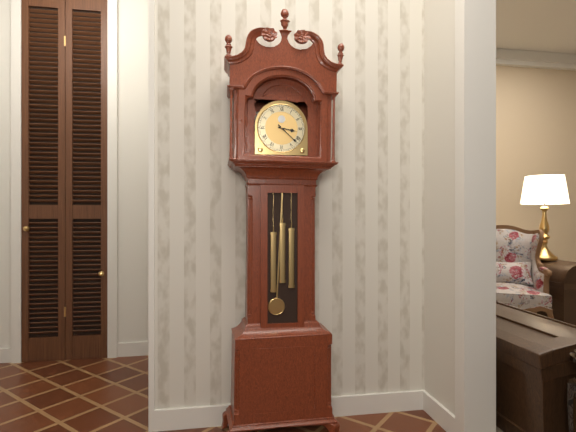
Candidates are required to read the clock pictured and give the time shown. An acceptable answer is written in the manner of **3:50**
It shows **3:22**
